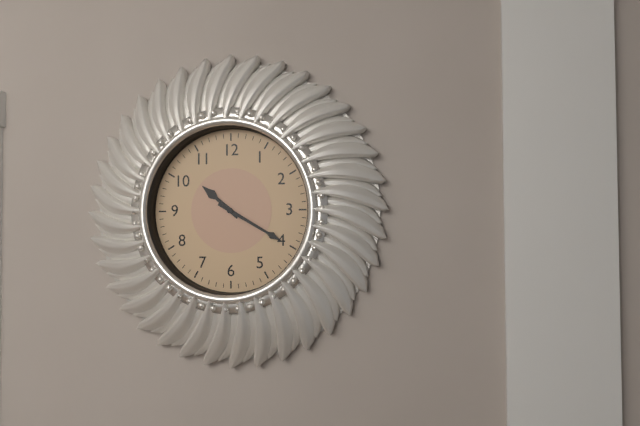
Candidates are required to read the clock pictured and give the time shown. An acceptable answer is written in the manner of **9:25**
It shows **10:20**
